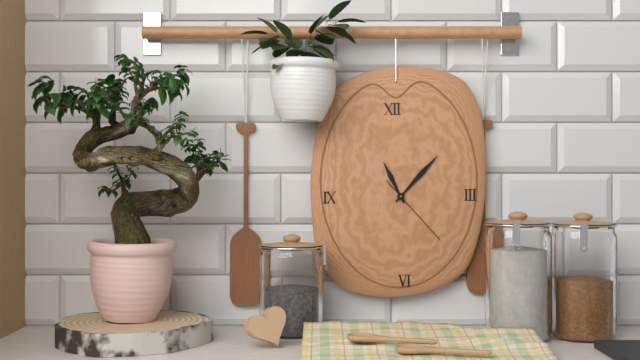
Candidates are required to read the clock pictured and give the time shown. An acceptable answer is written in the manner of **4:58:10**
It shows **11:07:23**
